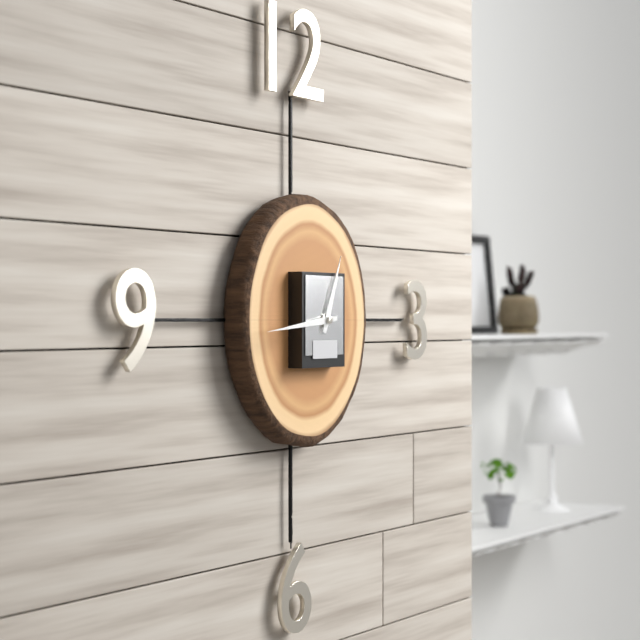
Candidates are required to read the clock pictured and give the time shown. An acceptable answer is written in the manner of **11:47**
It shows **12:44**
